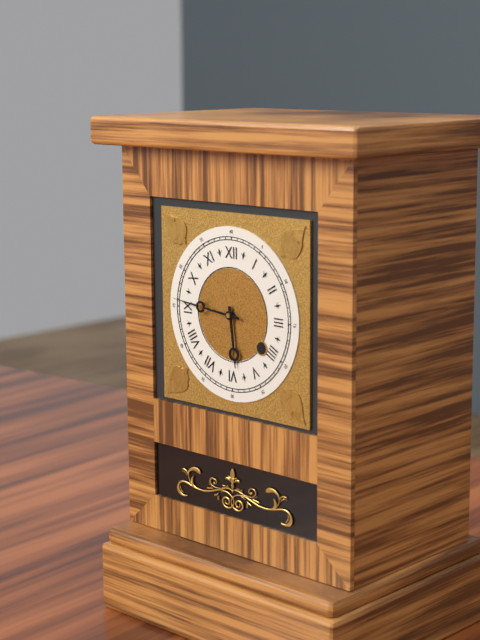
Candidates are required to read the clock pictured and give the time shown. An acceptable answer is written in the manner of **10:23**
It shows **5:46**
